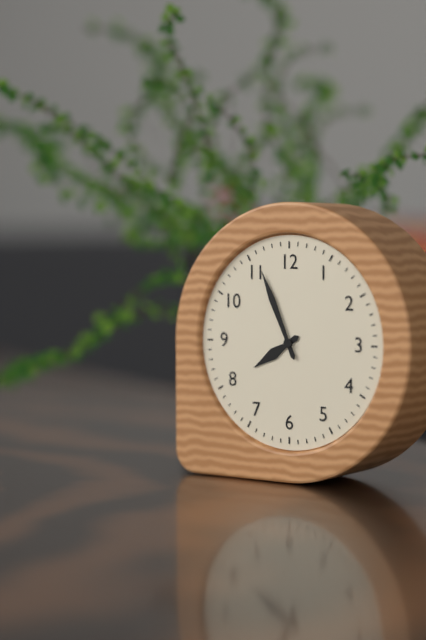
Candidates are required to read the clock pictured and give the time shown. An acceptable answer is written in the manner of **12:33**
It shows **7:56**
